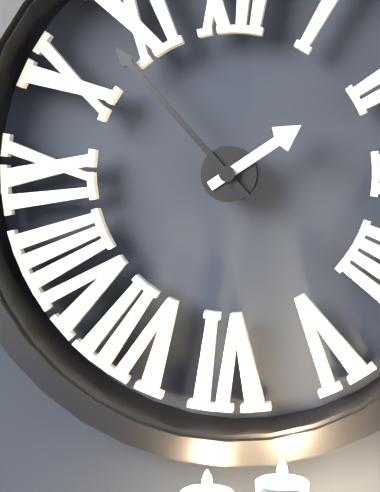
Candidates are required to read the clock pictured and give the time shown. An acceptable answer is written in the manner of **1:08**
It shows **1:53**
